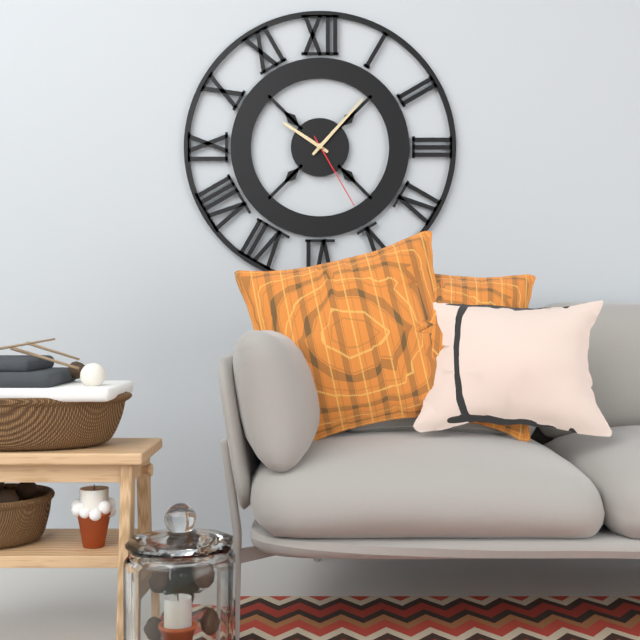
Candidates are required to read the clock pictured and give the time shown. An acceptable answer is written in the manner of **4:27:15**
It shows **10:07:25**
